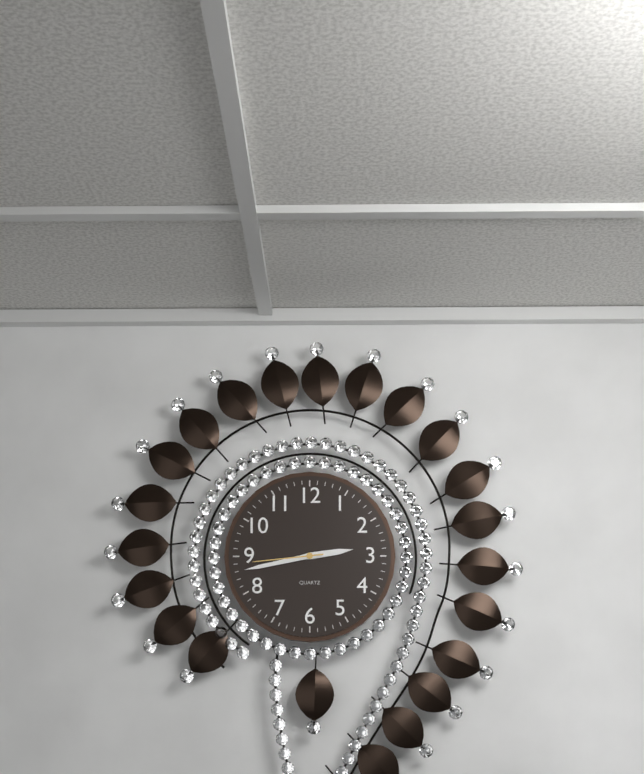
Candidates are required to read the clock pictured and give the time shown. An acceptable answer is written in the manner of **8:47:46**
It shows **2:43:44**
